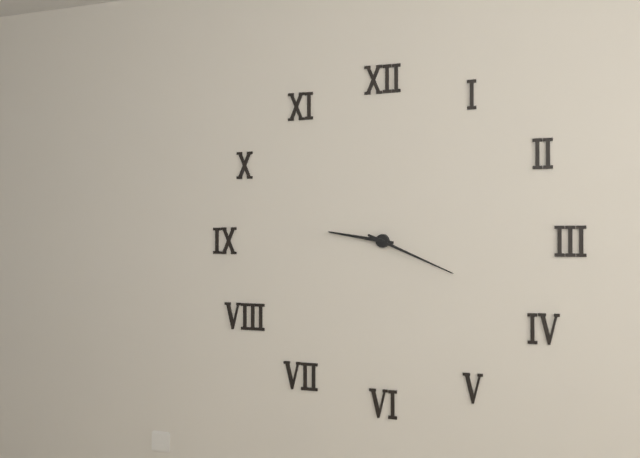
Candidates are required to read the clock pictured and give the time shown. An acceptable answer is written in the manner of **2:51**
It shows **9:19**
